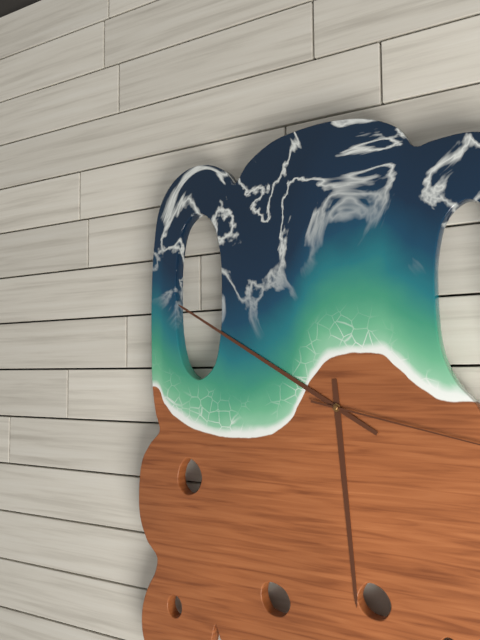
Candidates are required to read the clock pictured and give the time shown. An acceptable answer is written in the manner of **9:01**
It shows **5:50**
